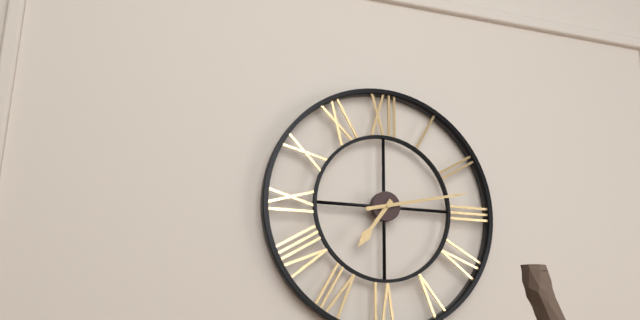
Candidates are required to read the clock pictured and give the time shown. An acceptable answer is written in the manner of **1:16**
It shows **7:13**
